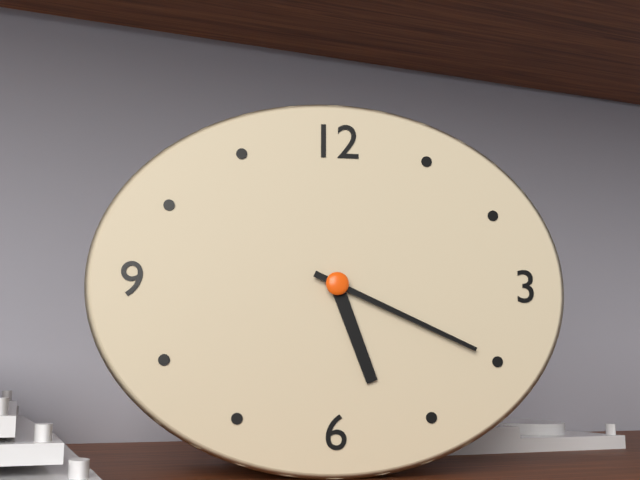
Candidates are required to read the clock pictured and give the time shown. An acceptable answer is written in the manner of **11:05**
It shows **5:19**
